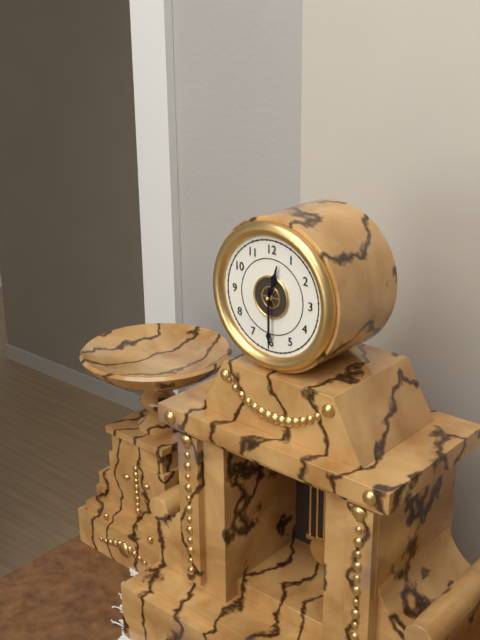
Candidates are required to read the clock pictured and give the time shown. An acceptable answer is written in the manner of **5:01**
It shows **12:30**
